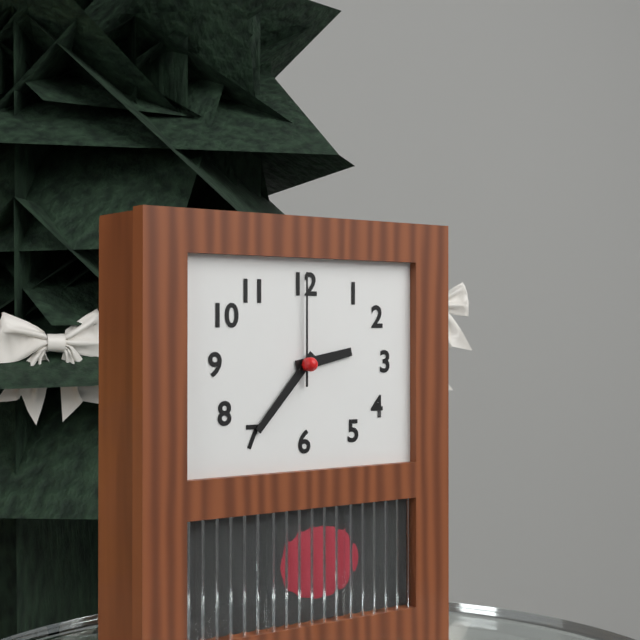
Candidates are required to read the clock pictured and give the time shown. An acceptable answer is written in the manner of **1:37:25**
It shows **2:37:00**
